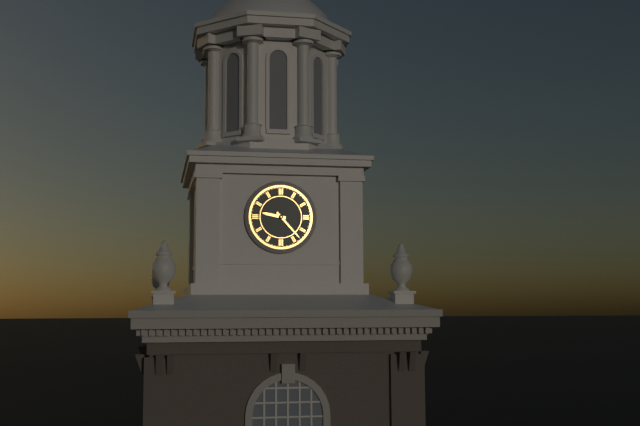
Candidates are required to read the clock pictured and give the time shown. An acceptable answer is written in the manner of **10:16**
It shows **9:23**
